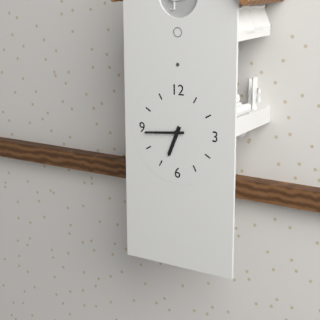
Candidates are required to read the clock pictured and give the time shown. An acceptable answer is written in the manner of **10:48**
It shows **6:44**
